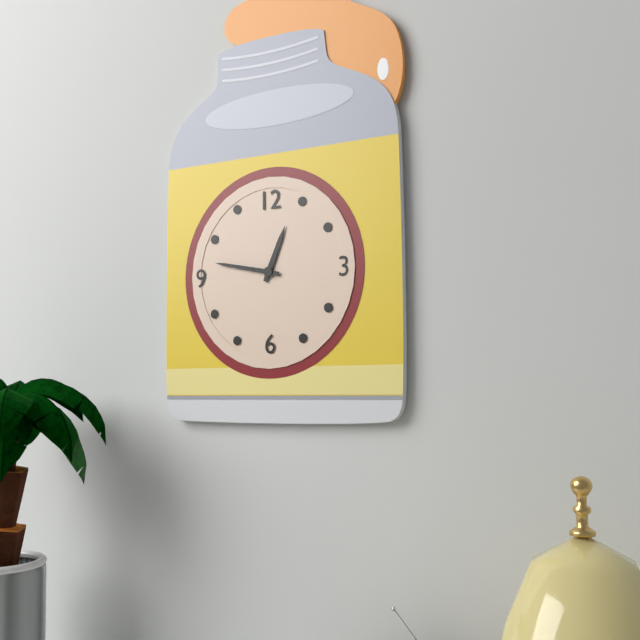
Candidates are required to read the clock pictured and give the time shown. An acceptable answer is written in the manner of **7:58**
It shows **12:47**
